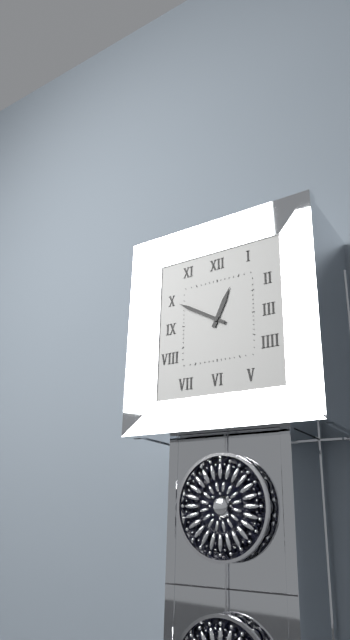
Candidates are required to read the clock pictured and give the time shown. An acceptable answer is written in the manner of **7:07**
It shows **12:50**
